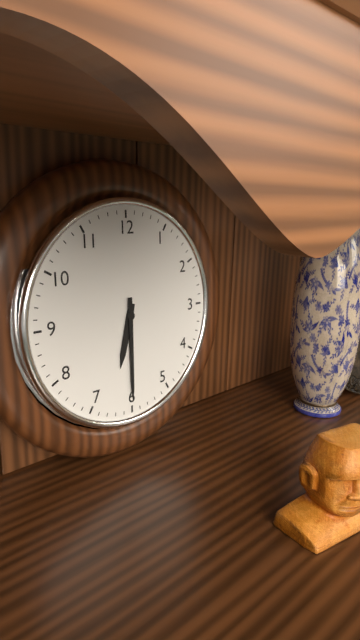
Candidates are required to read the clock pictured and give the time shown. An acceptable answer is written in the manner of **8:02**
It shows **6:30**
